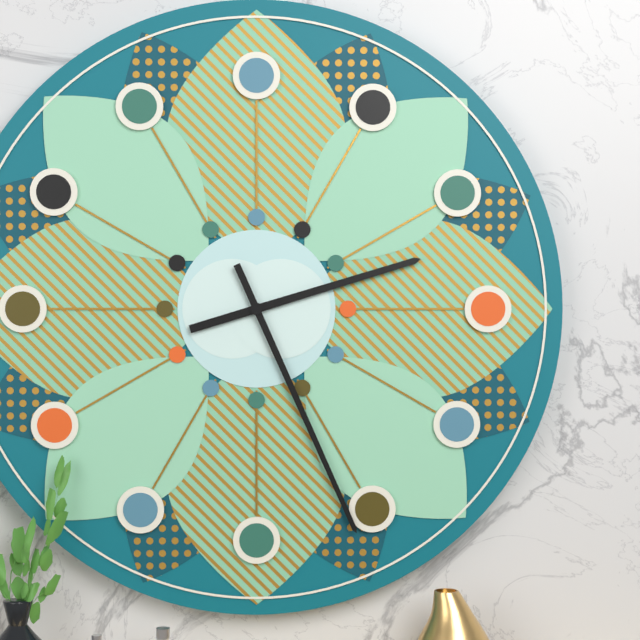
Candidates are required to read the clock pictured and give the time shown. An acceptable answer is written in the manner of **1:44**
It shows **2:26**
